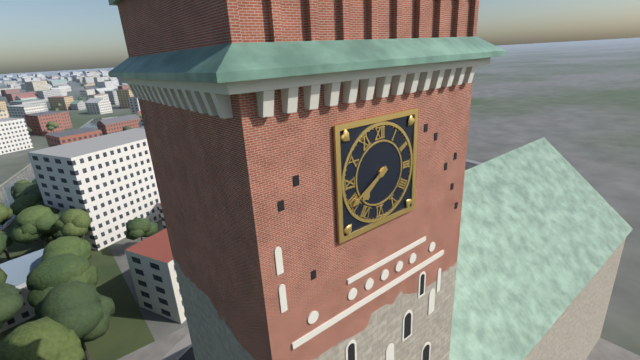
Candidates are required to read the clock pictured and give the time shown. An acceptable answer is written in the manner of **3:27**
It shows **7:40**
